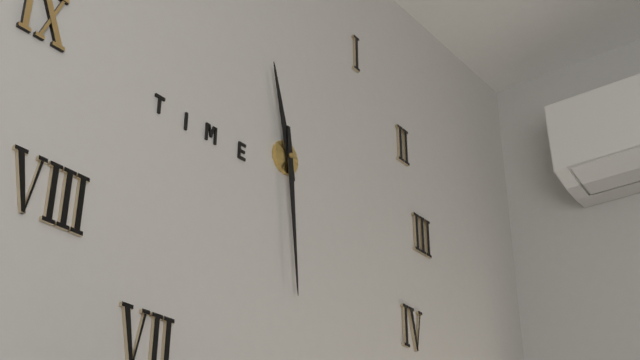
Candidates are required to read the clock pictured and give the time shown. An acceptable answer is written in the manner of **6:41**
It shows **11:29**
